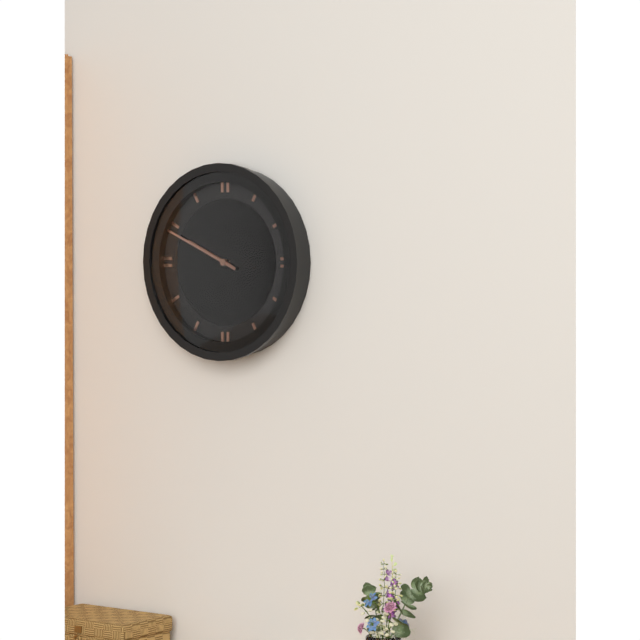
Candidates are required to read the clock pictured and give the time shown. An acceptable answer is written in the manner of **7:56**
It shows **9:49**
